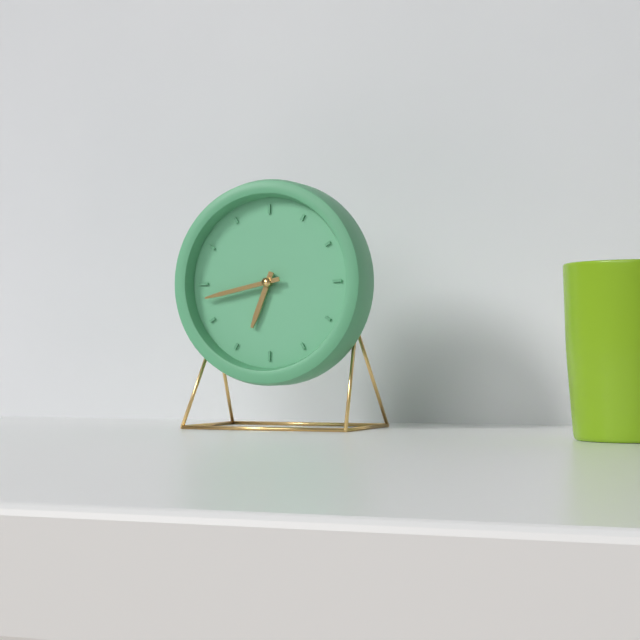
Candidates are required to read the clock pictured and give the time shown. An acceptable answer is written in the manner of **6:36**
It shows **6:43**
